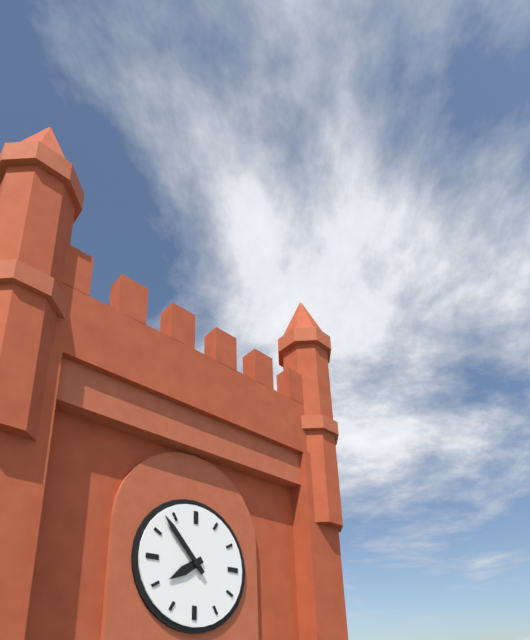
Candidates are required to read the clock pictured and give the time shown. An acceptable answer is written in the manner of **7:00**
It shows **7:53**
